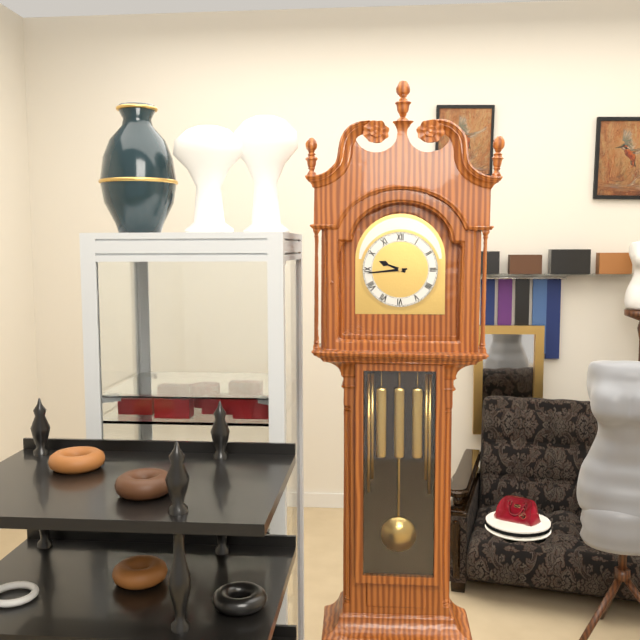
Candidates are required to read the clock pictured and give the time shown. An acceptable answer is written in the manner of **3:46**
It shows **9:44**
